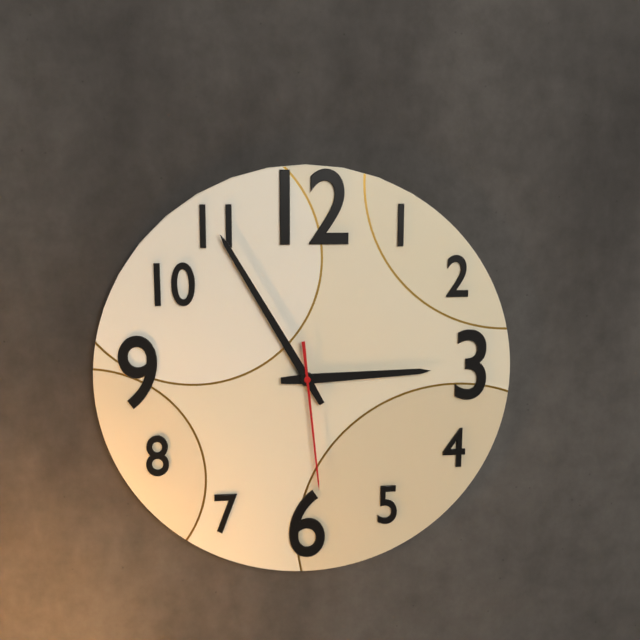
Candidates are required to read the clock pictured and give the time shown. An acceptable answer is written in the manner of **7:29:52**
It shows **2:55:29**
